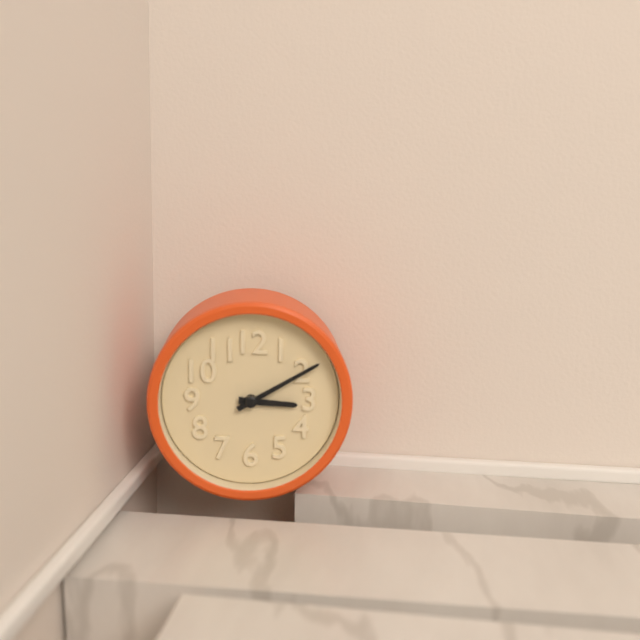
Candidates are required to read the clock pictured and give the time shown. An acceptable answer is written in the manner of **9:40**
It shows **3:10**
